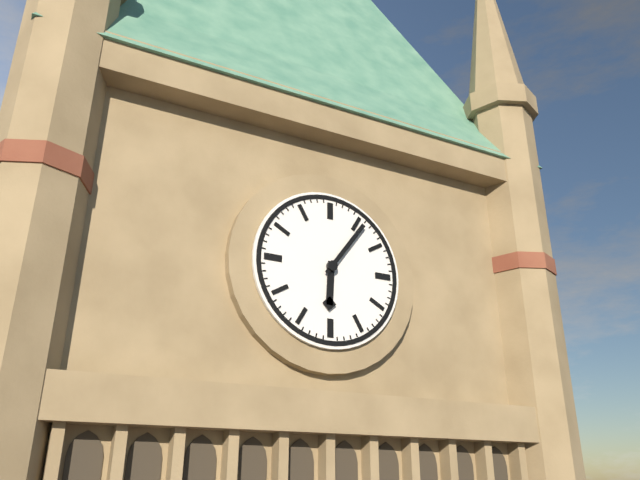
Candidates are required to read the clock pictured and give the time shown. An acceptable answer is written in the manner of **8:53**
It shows **6:06**
